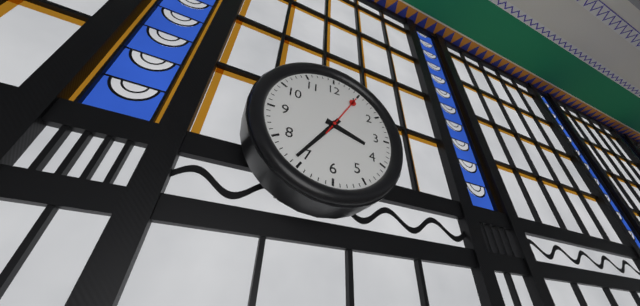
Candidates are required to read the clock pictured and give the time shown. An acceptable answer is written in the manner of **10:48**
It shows **3:36**
